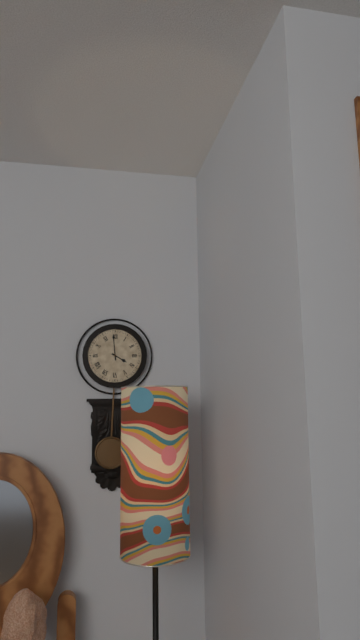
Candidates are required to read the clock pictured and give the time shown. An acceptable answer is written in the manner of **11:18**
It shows **3:59**
